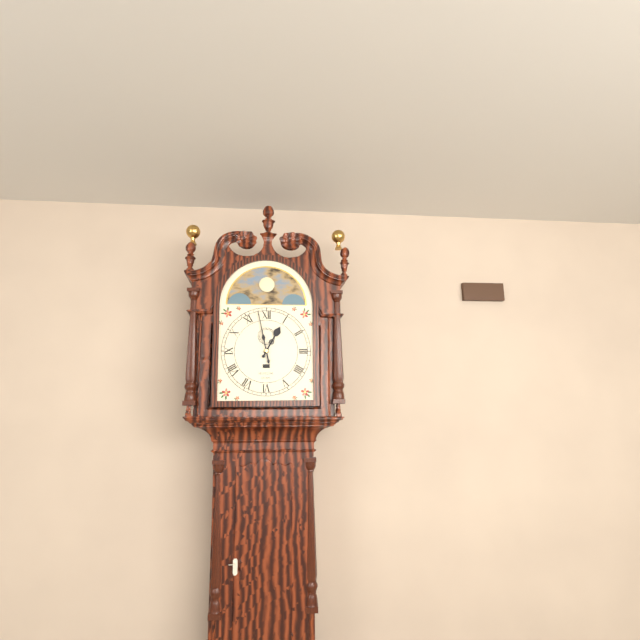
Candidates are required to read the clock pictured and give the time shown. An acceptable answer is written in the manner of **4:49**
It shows **12:58**
